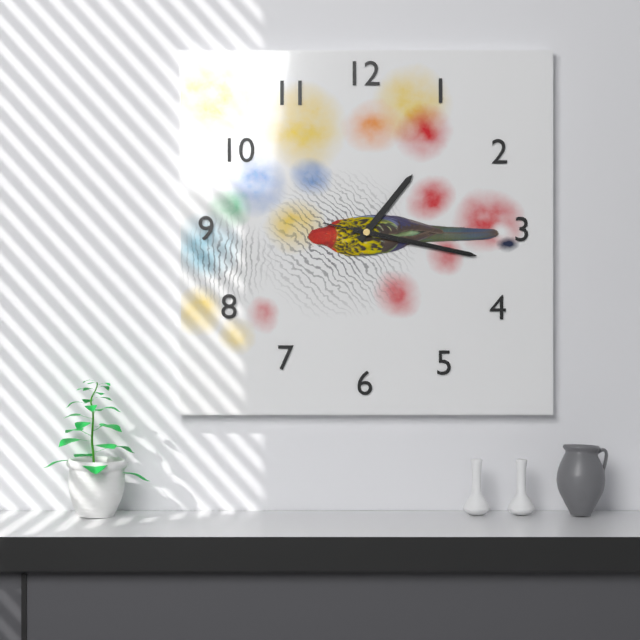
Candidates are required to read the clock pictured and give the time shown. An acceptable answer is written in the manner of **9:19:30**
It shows **1:17:17**
